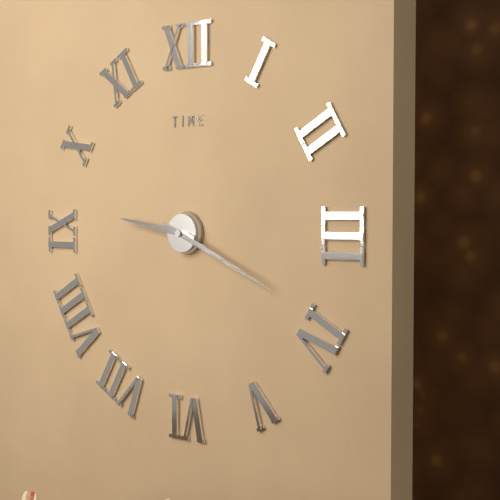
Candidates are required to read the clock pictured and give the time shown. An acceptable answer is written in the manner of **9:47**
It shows **9:19**
